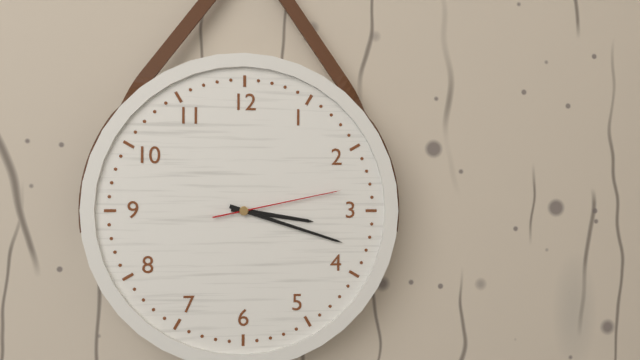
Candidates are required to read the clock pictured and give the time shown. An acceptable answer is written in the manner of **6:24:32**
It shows **3:18:13**
